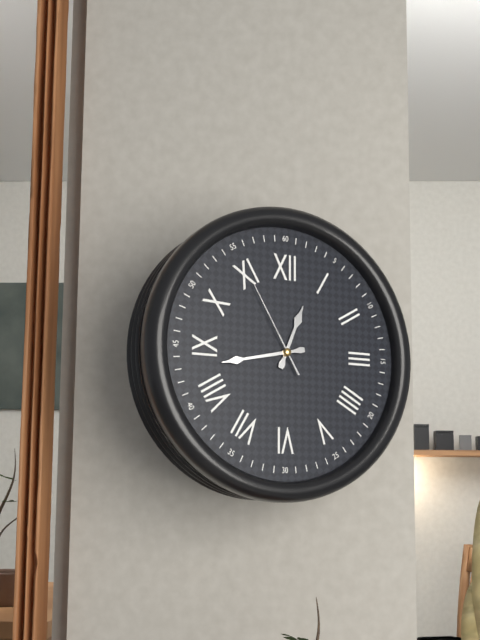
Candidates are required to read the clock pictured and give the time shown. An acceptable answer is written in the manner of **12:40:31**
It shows **12:43:55**
